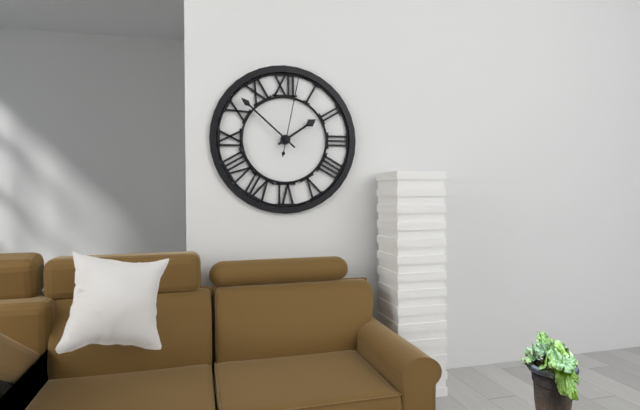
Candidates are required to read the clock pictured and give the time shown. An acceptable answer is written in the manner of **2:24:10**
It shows **1:52:02**
